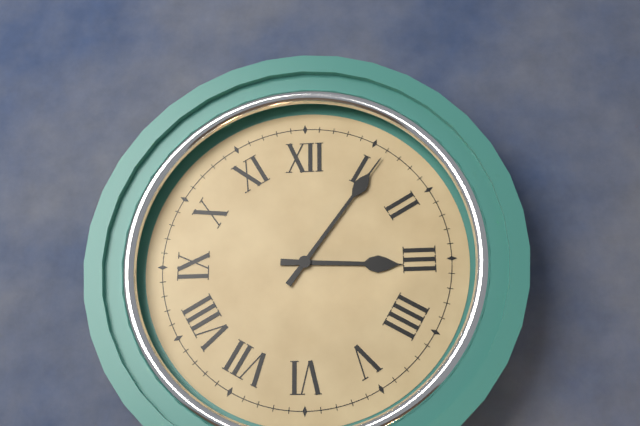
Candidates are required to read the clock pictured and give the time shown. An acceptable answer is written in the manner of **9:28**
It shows **3:06**
